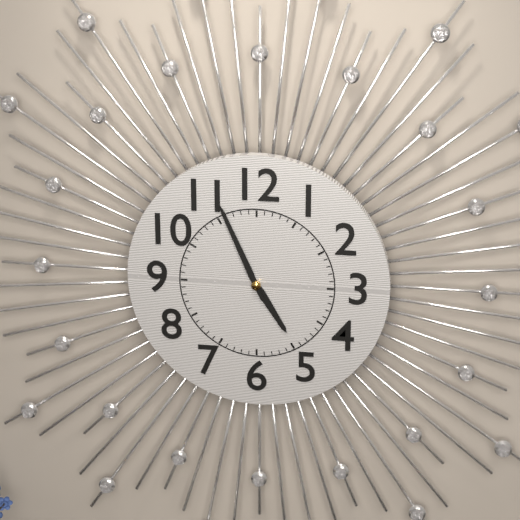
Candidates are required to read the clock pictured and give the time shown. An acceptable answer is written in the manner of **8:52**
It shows **4:56**
